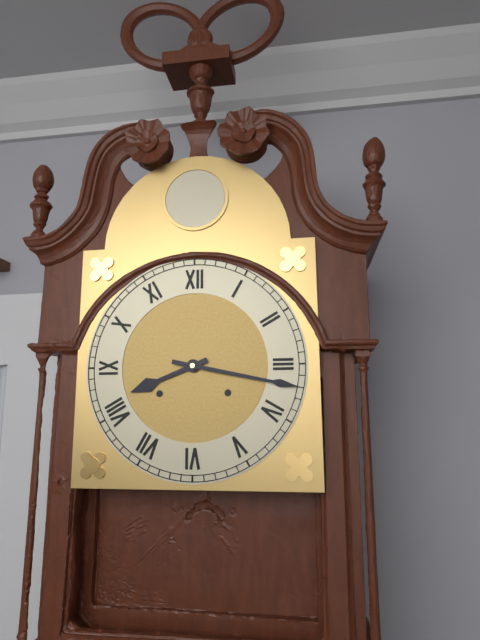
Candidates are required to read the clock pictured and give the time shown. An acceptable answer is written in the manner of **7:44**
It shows **8:17**
